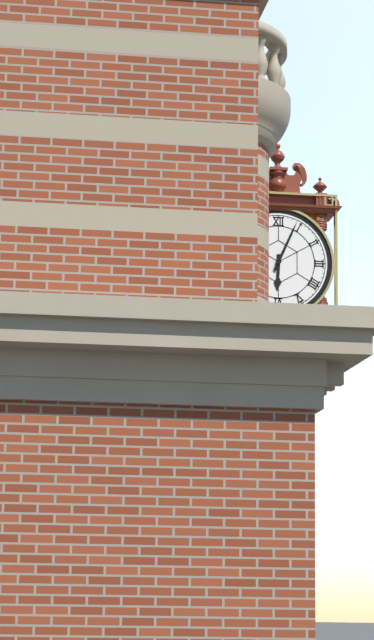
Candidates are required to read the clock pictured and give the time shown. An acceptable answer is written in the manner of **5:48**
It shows **6:04**
